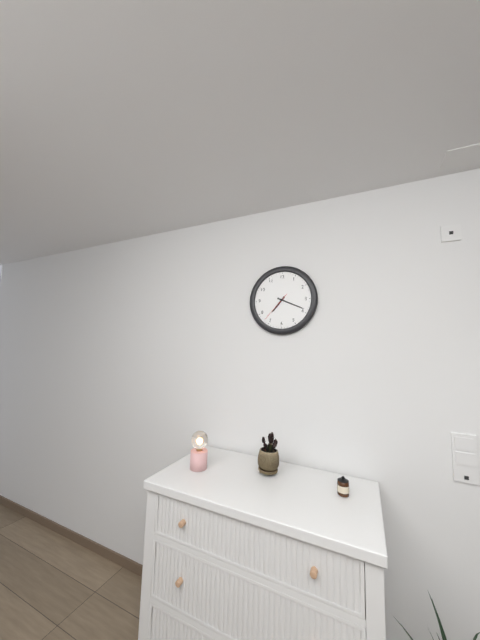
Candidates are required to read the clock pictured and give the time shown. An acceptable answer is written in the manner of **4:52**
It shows **7:19**
